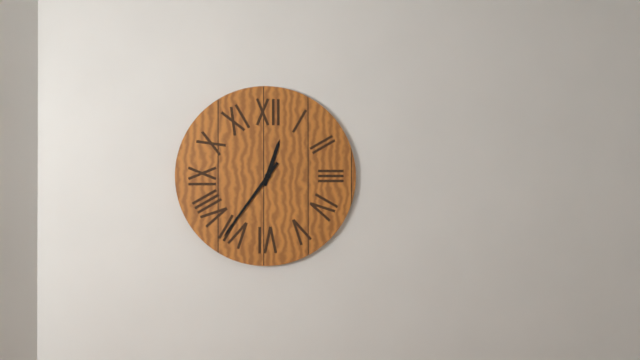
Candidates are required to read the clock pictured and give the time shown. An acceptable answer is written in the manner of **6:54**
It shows **12:36**
